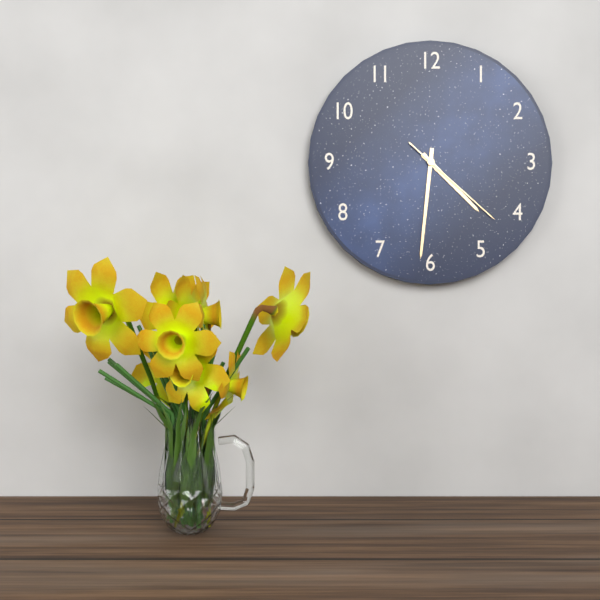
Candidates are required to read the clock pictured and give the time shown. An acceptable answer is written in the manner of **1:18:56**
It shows **4:31:22**
